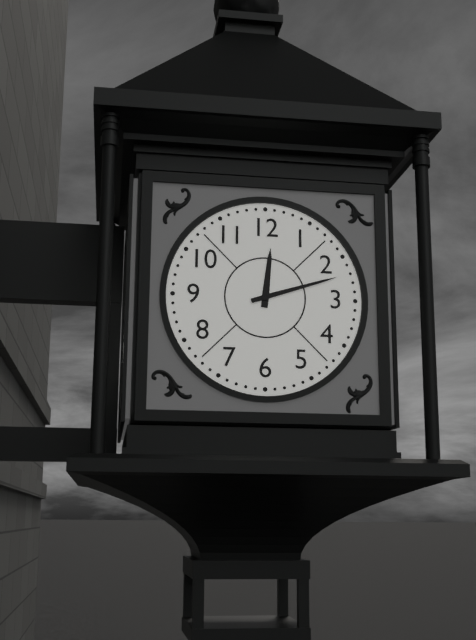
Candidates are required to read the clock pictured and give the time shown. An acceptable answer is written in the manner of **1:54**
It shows **12:12**
